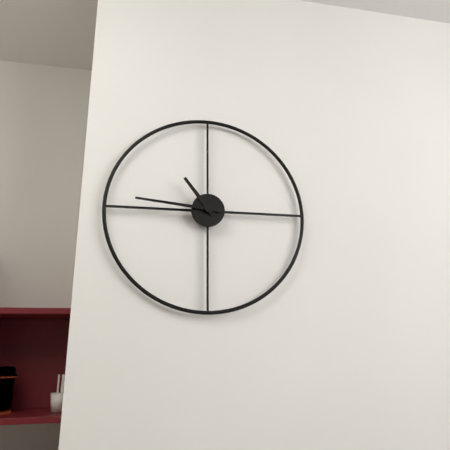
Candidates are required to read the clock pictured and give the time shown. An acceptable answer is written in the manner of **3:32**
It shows **10:46**
